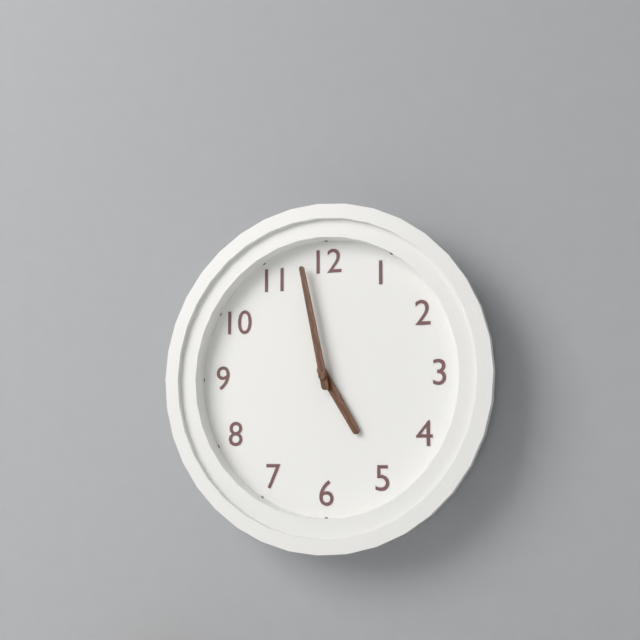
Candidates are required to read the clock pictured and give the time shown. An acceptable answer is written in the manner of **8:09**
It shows **4:58**
